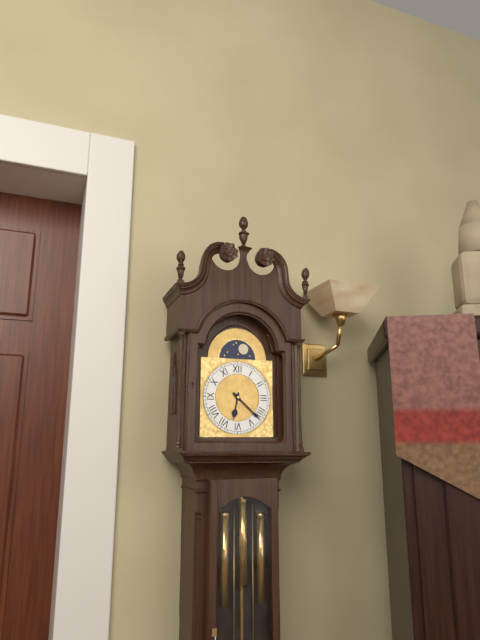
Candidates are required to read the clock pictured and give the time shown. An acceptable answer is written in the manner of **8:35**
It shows **6:22**
